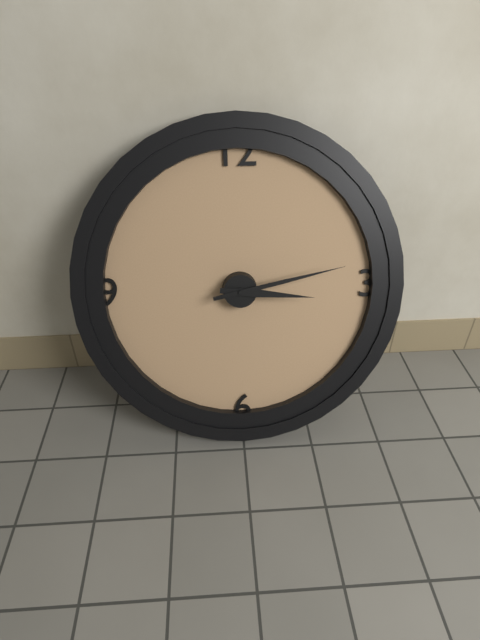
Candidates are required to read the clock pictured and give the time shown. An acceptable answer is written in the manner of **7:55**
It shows **3:13**
